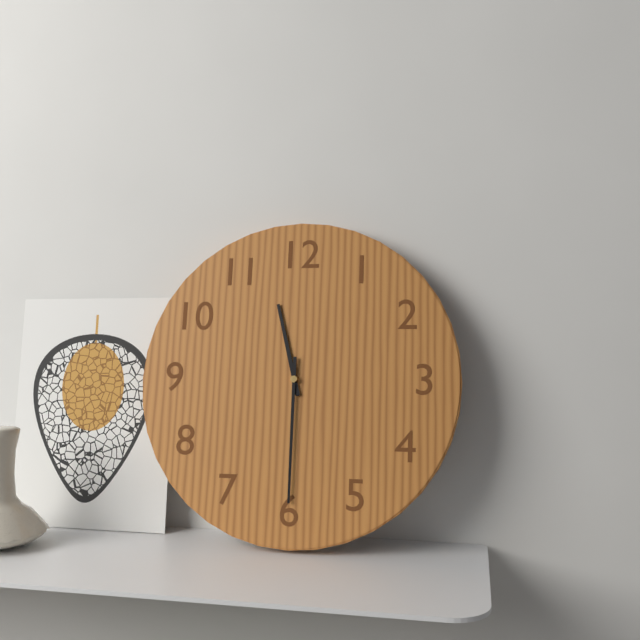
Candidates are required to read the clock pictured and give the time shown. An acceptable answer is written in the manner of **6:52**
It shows **11:30**
